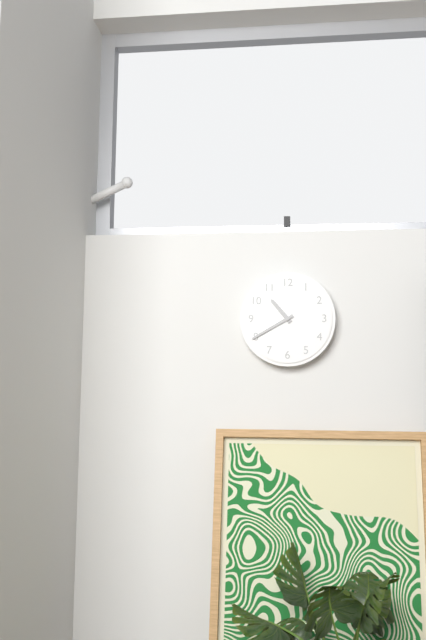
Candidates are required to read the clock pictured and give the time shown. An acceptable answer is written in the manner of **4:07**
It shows **10:40**
